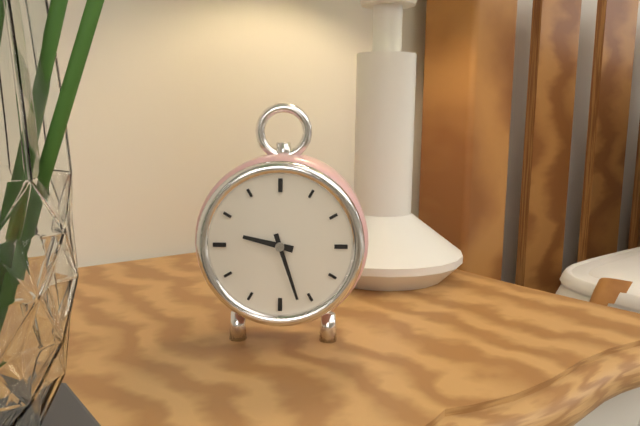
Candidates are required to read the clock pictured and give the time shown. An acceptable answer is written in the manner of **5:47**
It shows **9:27**
